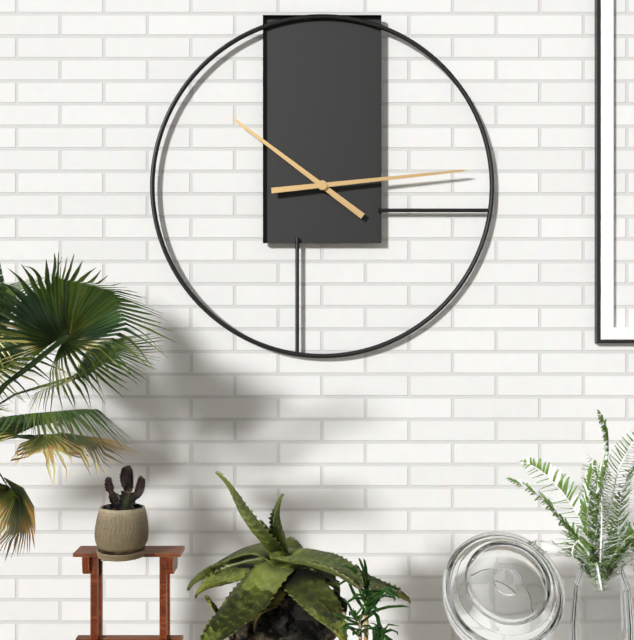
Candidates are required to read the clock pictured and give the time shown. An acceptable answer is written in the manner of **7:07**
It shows **10:14**
